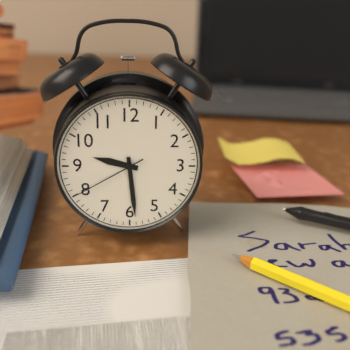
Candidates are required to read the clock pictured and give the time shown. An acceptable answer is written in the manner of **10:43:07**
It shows **9:29:40**
